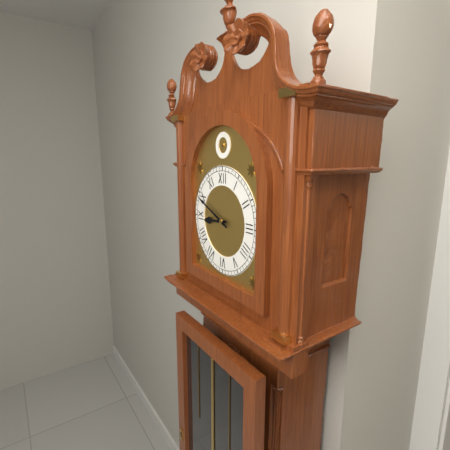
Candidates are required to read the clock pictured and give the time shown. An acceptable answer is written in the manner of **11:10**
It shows **8:49**
